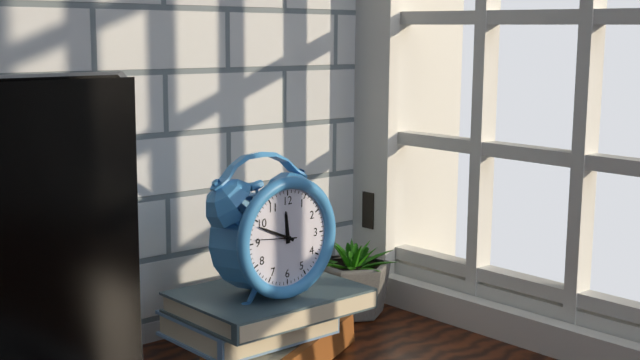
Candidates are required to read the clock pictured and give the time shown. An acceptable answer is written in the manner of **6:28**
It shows **11:49**
